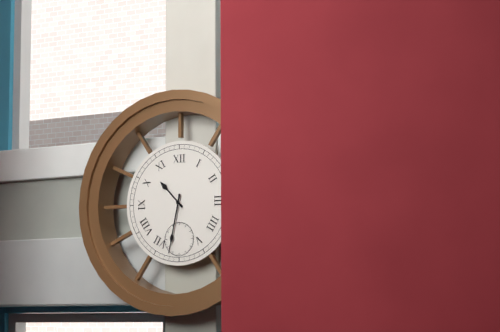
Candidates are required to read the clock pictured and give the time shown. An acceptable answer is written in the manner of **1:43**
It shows **10:32**
